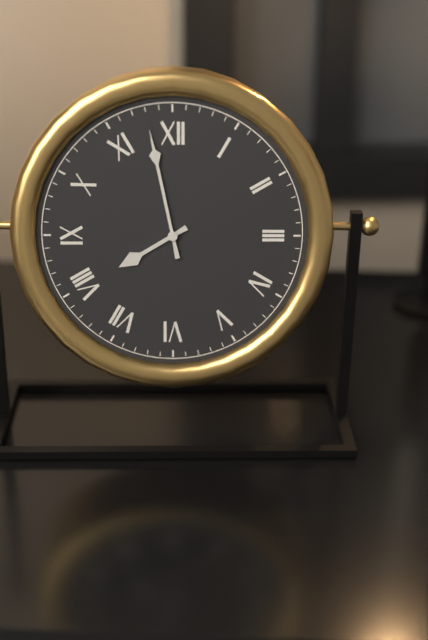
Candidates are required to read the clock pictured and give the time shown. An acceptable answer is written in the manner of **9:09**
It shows **7:58**
